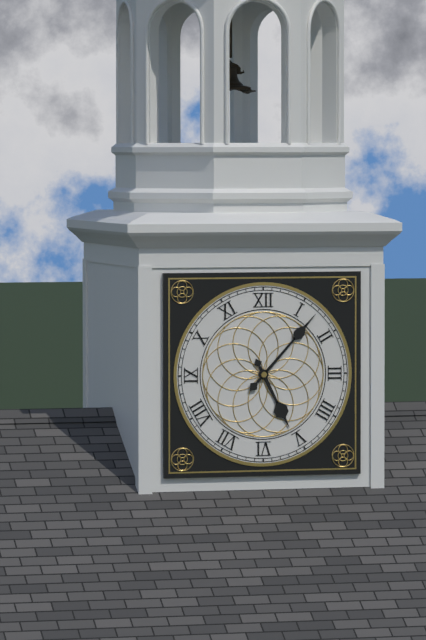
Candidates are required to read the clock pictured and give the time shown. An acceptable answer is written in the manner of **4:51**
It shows **5:07**
